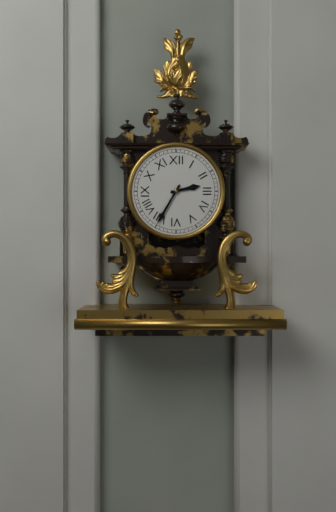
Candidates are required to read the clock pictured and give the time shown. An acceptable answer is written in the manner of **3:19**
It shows **2:35**
